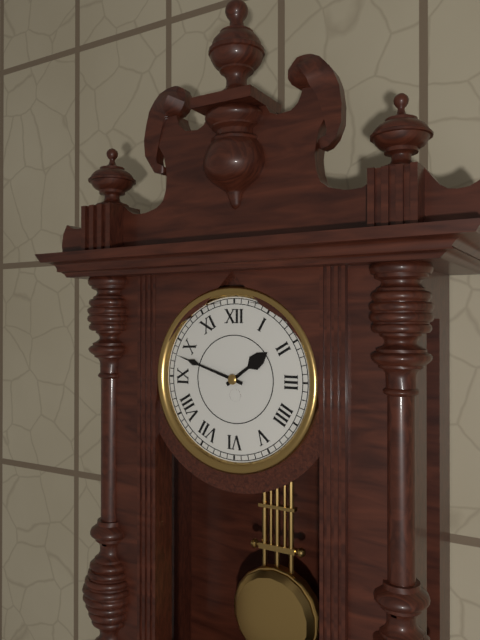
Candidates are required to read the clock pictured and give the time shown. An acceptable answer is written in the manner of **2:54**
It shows **1:48**
